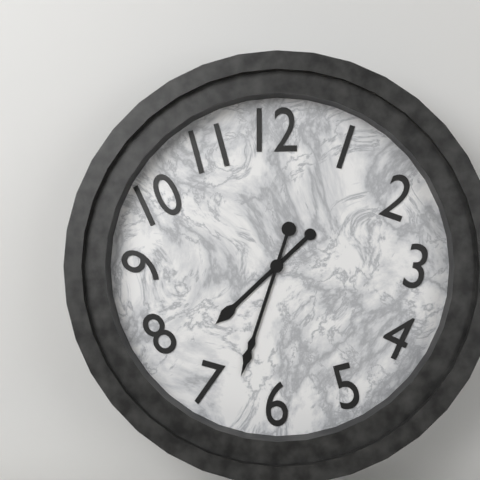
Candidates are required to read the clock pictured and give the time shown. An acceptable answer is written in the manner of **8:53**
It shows **7:33**
